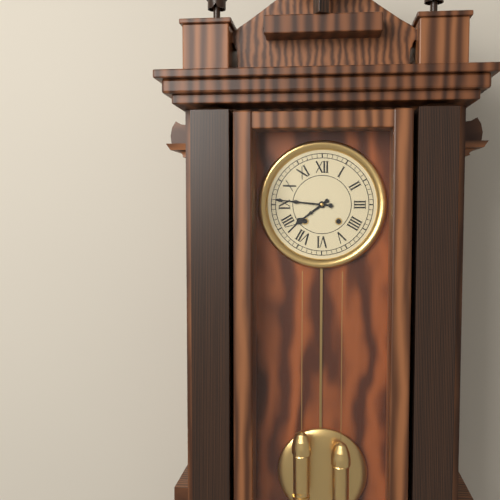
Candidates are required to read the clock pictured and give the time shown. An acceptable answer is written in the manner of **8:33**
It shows **7:46**
